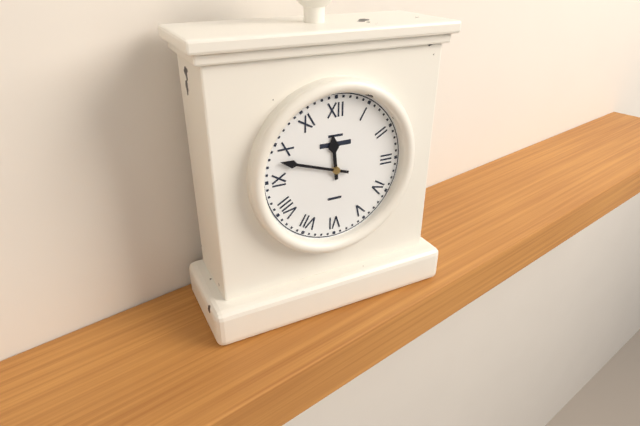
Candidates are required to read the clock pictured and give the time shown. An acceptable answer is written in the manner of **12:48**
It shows **11:48**
